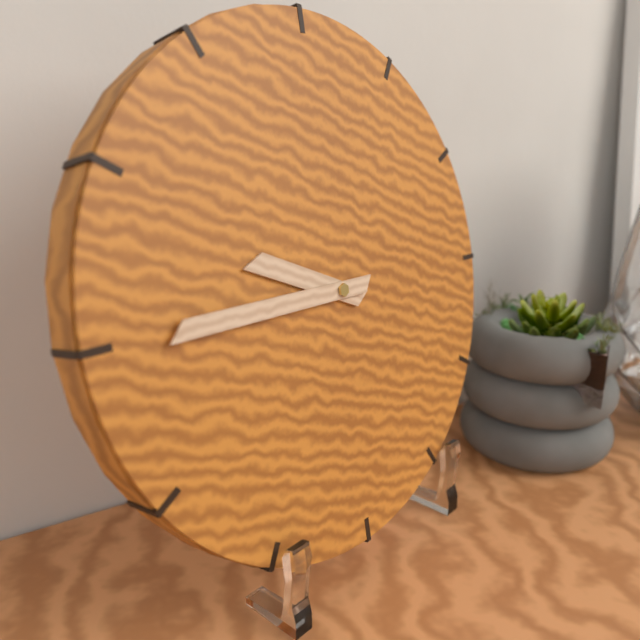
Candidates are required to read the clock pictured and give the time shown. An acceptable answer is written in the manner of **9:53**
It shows **9:45**
